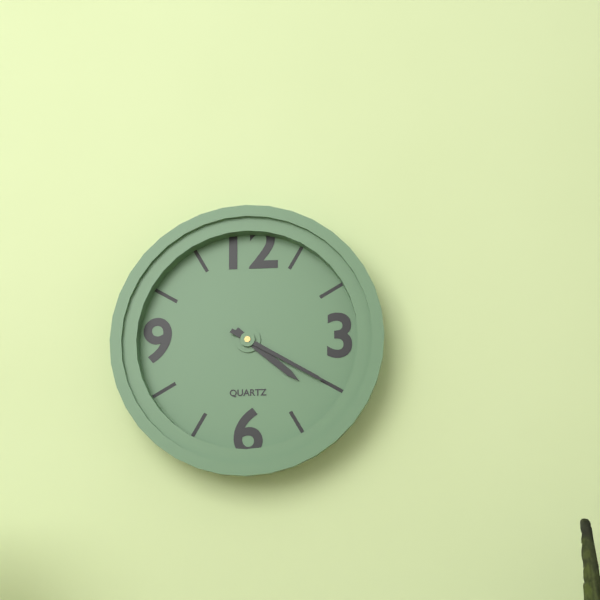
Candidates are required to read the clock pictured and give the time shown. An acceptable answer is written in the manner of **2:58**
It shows **4:20**
